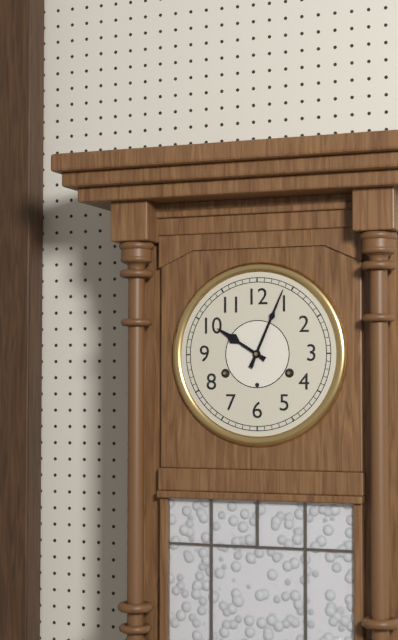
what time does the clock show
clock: 10:04
